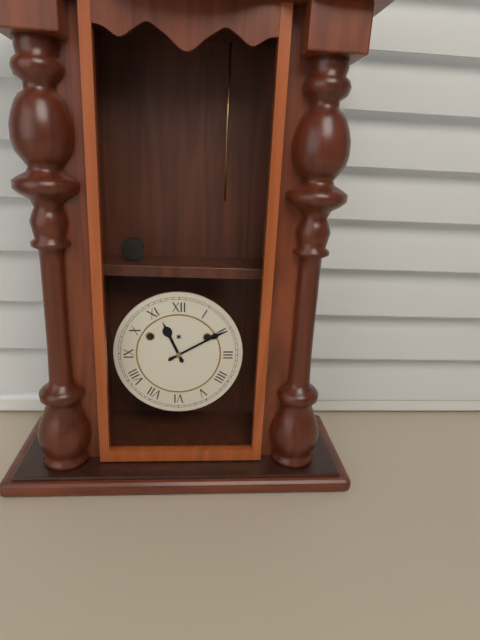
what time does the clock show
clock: 11:10
